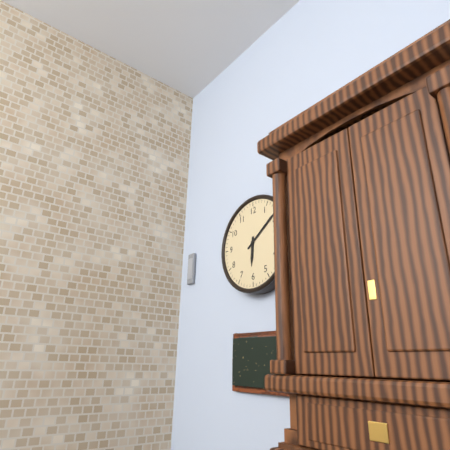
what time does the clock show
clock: 6:09
